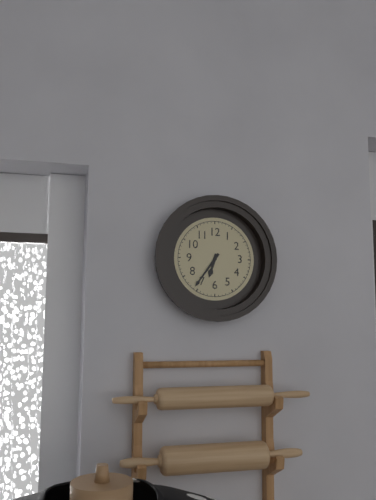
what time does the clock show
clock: 6:36
